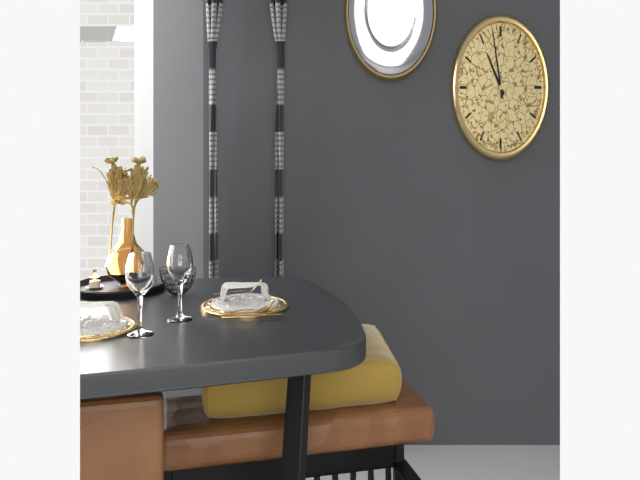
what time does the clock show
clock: 10:58
